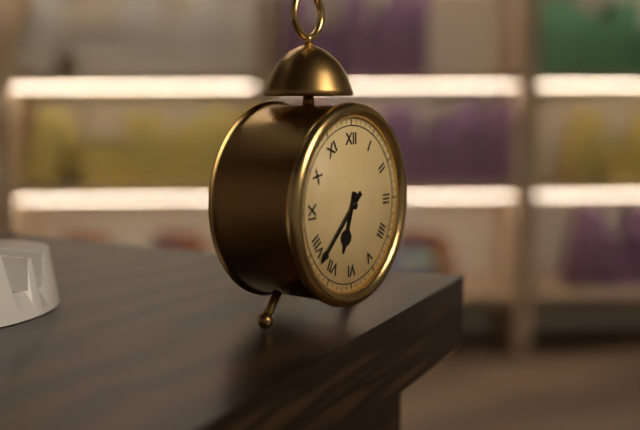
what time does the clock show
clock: 6:38
